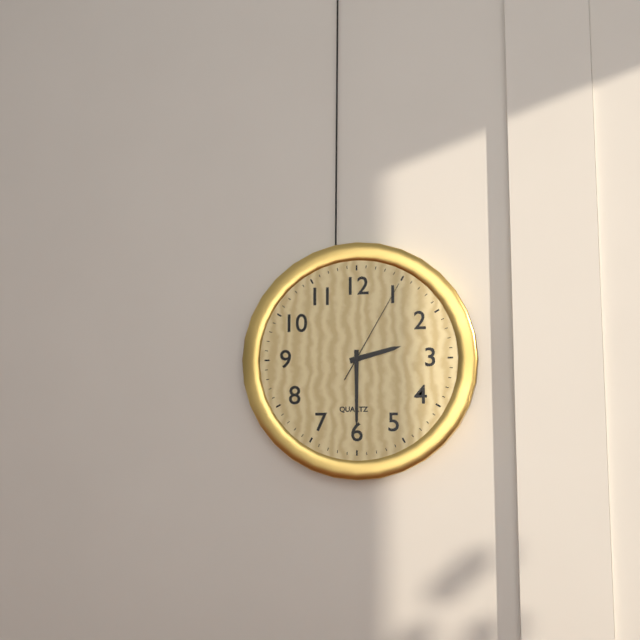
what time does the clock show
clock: 2:30:05
